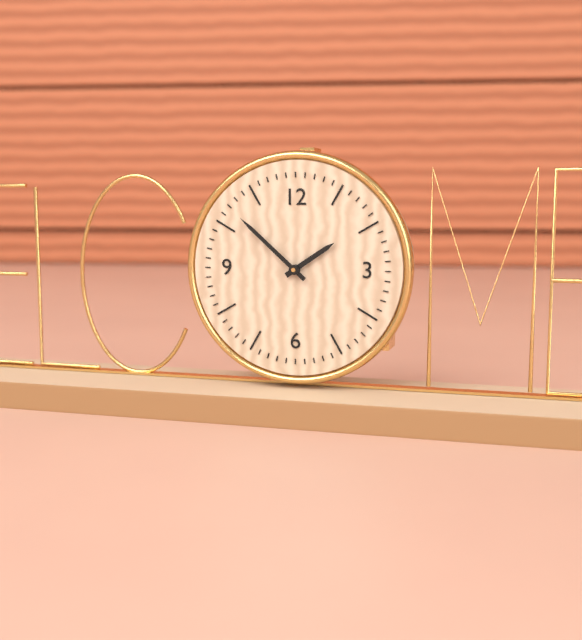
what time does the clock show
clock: 1:52
